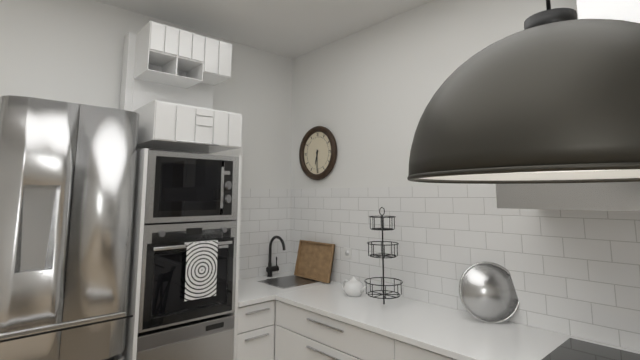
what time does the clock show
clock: 6:30
